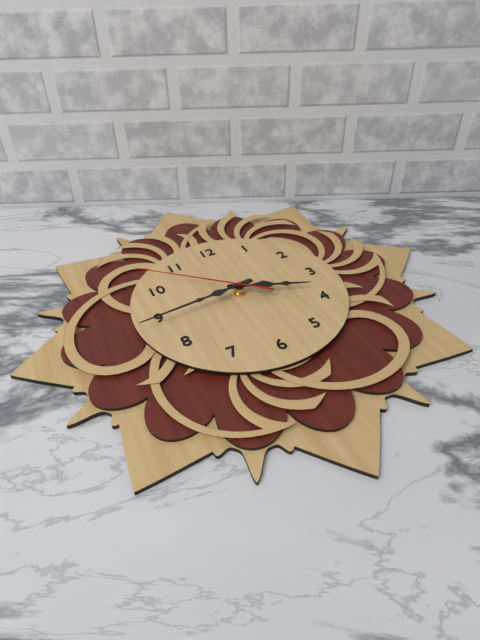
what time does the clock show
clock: 3:44:52
